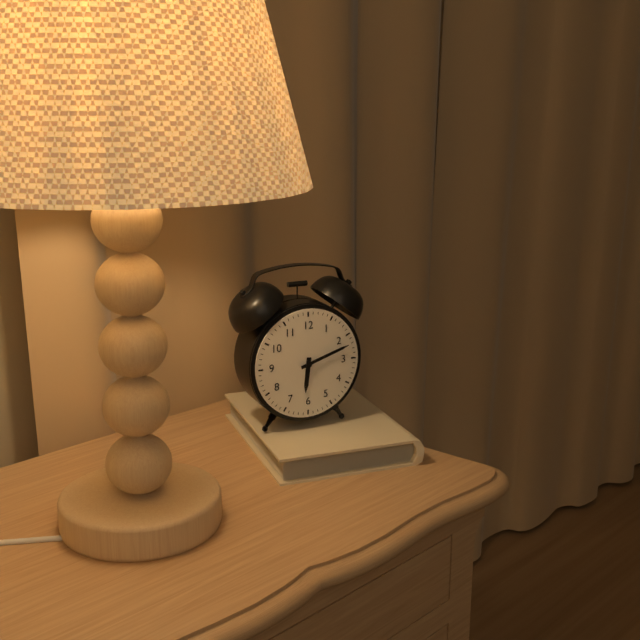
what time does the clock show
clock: 6:12
